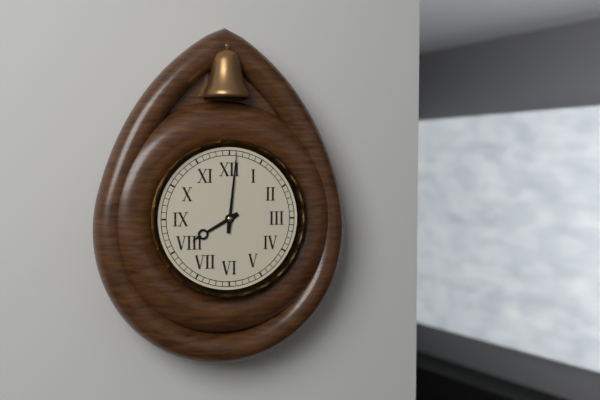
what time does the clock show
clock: 8:01
